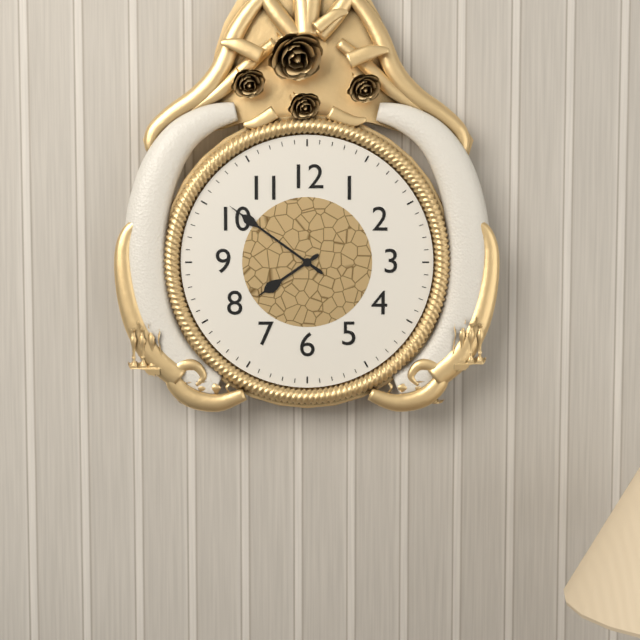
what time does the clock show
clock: 7:51
